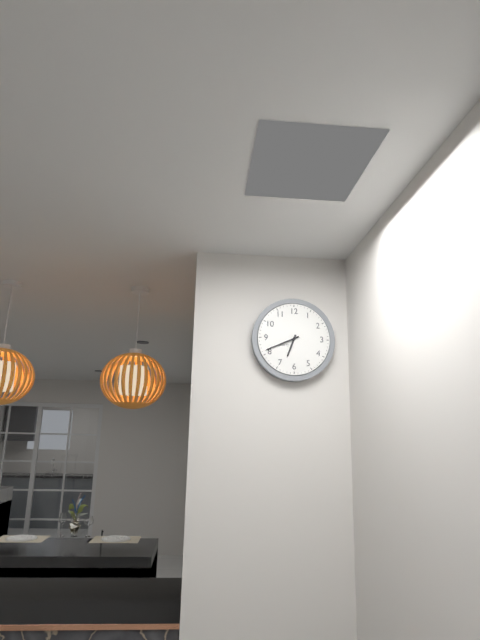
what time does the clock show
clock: 6:41
